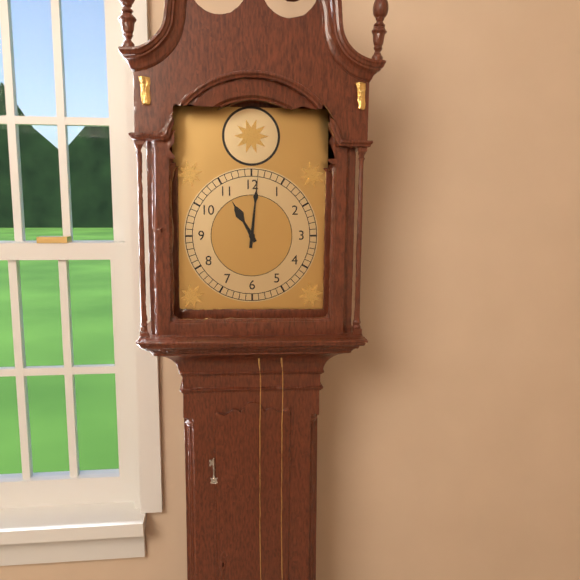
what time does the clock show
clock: 11:01
